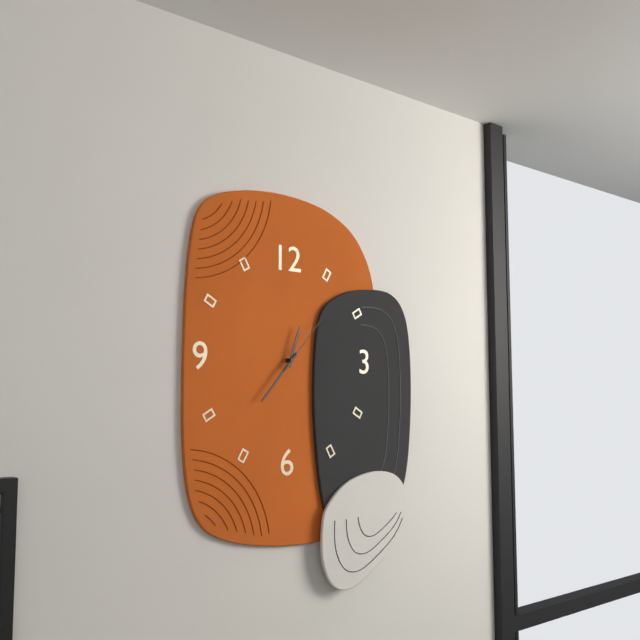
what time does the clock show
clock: 12:37:07
